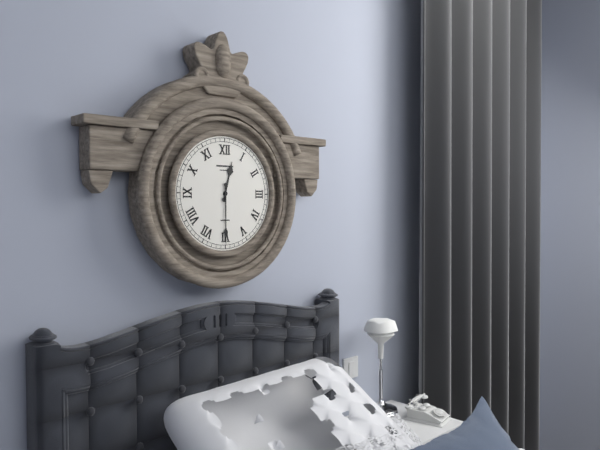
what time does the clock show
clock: 12:30
